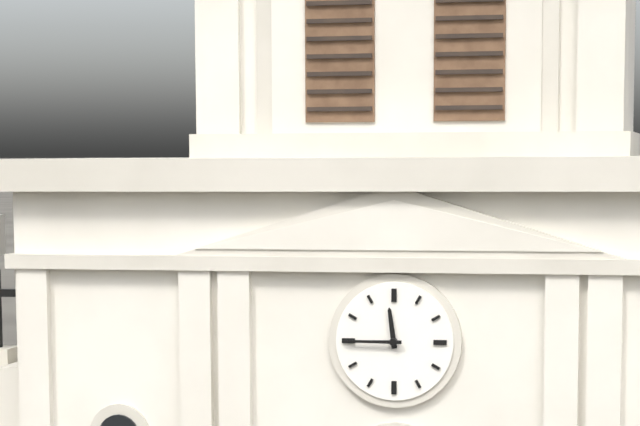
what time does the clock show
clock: 11:45
